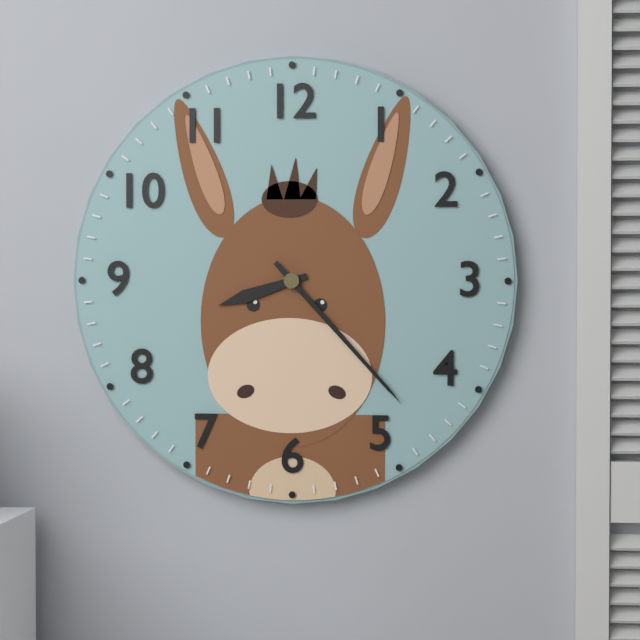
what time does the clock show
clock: 8:23
